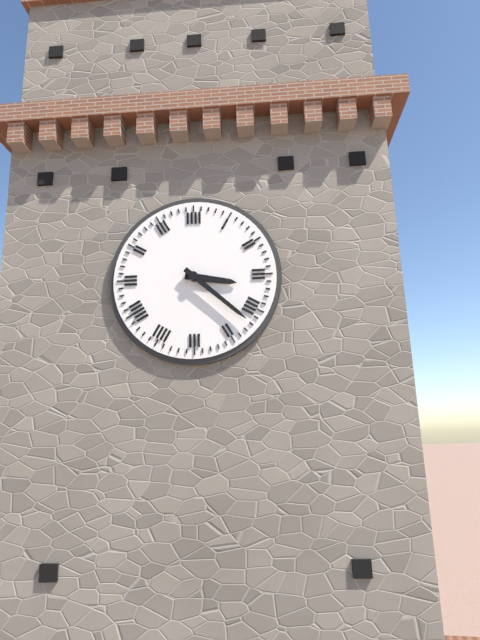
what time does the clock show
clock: 3:22
